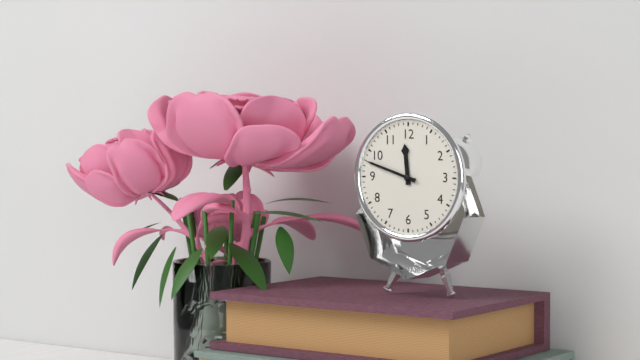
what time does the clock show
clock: 11:48
